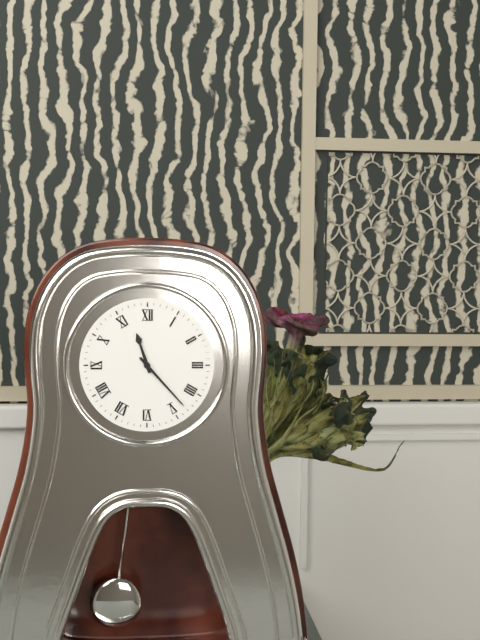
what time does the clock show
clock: 11:23
